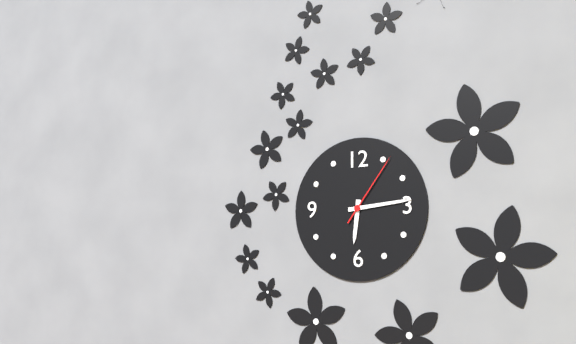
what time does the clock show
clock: 6:14:06
